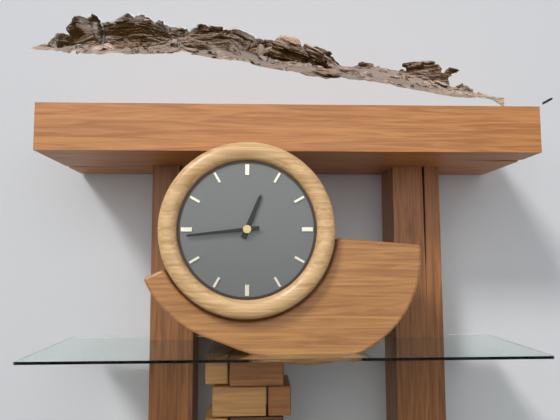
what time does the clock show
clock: 12:44
